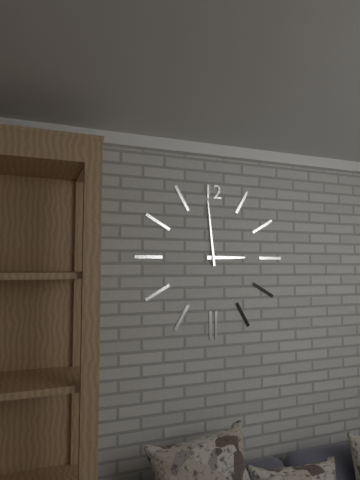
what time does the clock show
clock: 2:59
